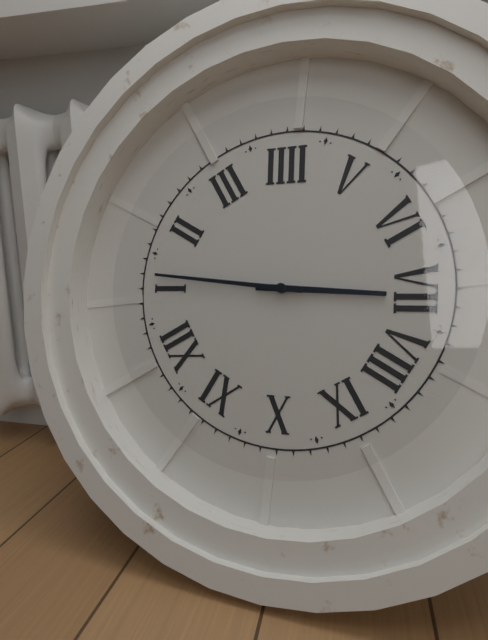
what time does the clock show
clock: 7:06
